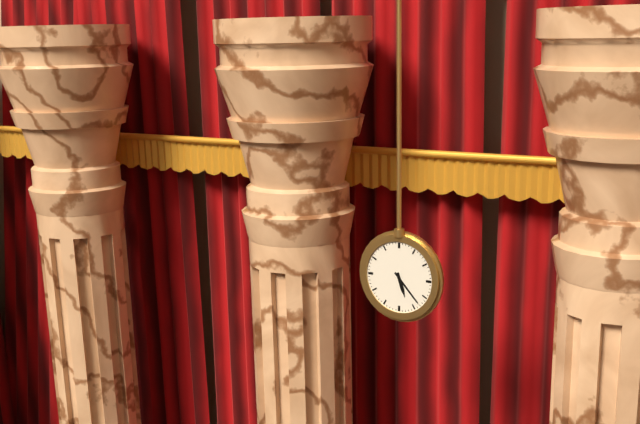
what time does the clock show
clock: 5:23
